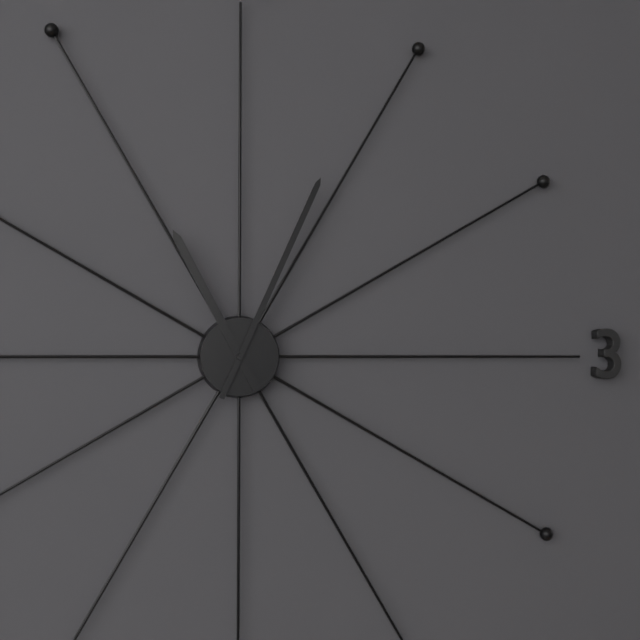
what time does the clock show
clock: 11:04
